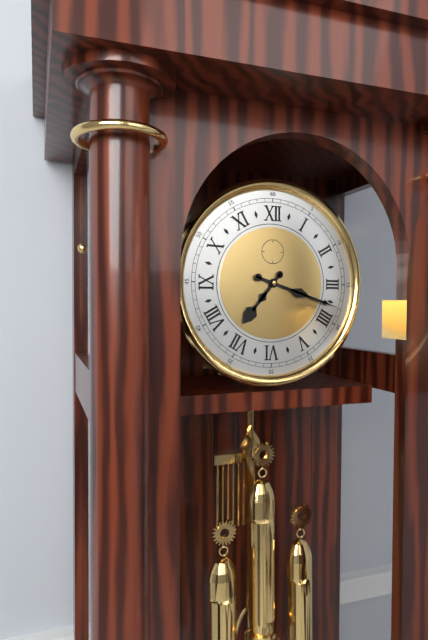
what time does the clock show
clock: 7:18
